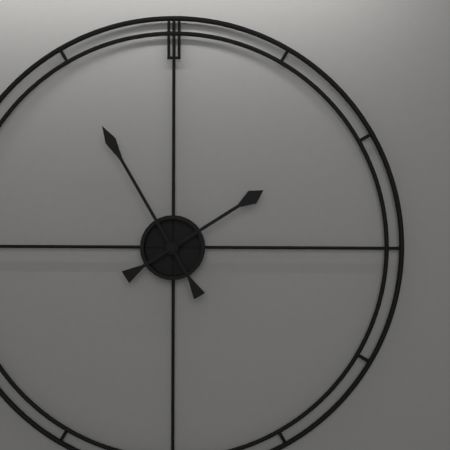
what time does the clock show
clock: 1:55
